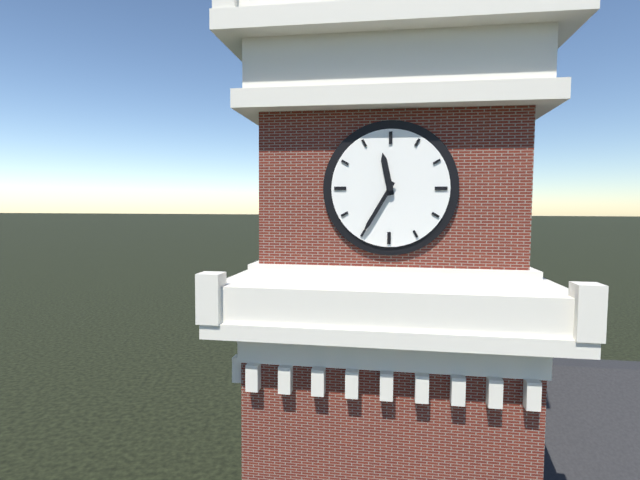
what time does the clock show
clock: 11:35
